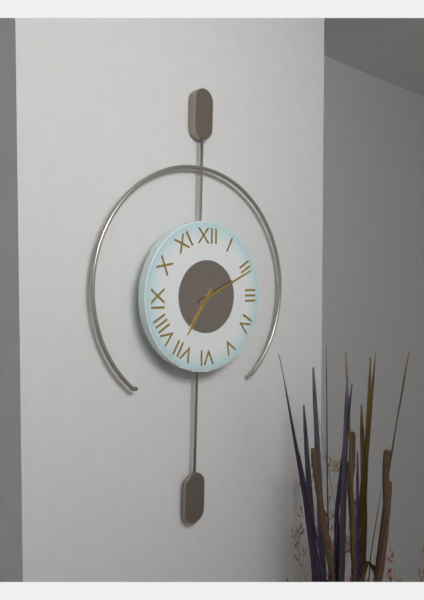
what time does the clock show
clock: 7:11
